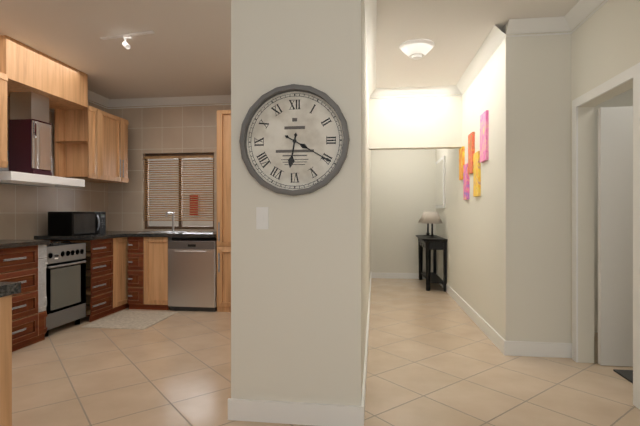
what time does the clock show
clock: 6:20
